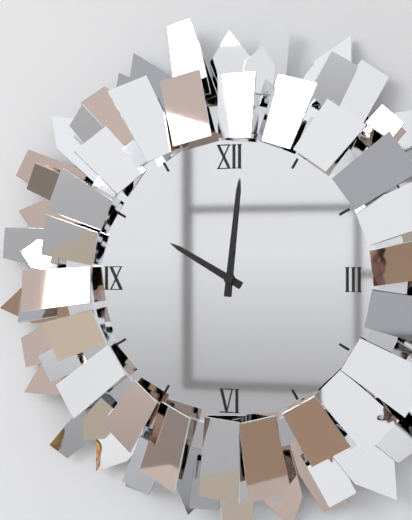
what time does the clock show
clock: 10:01
